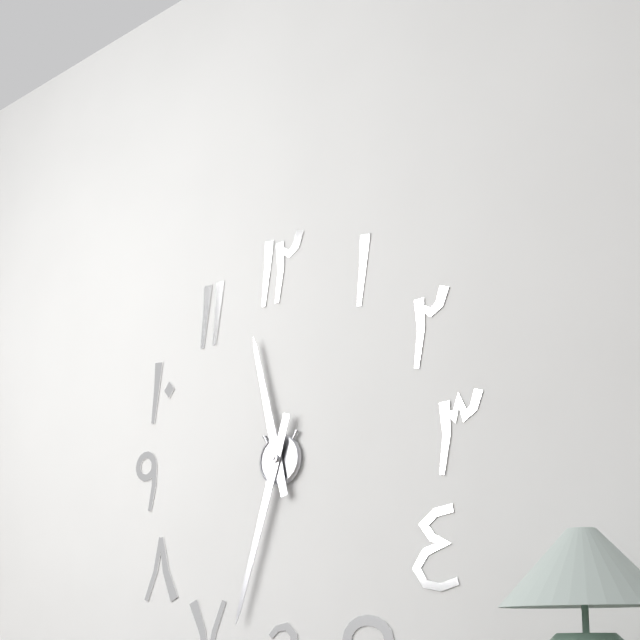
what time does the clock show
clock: 11:33
